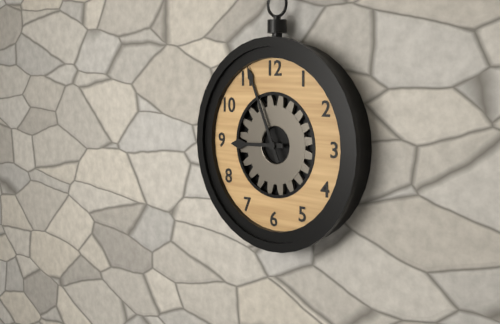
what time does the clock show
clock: 8:56
